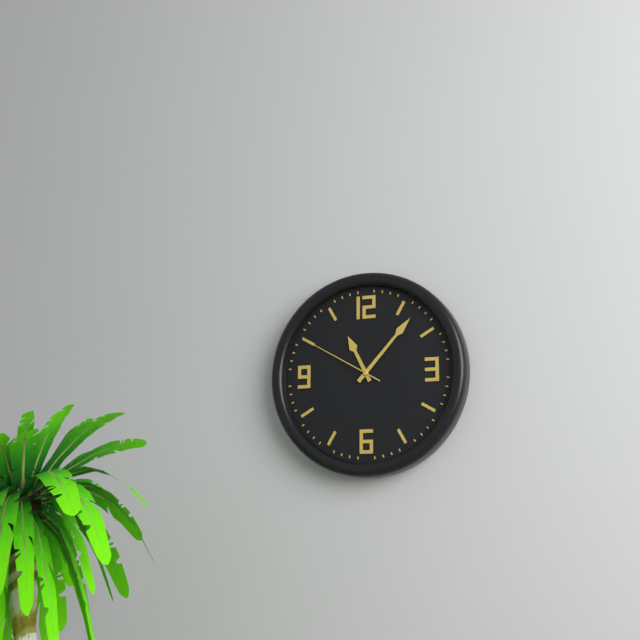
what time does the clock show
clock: 11:07:50
